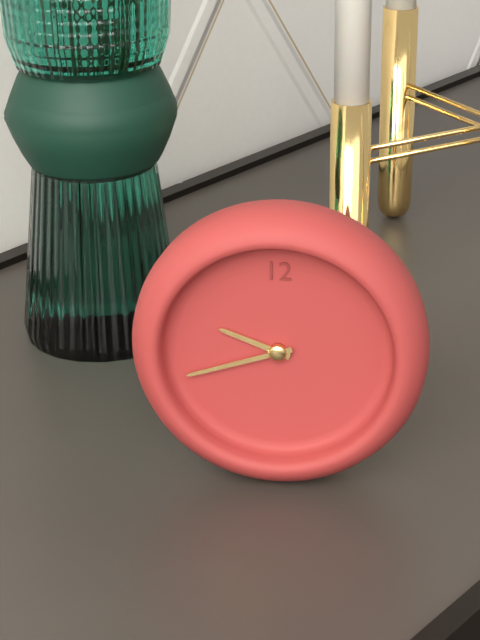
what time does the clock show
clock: 9:42
